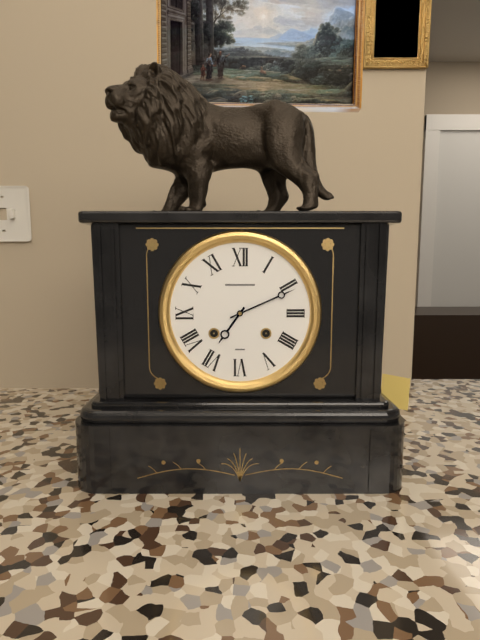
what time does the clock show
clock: 7:11
